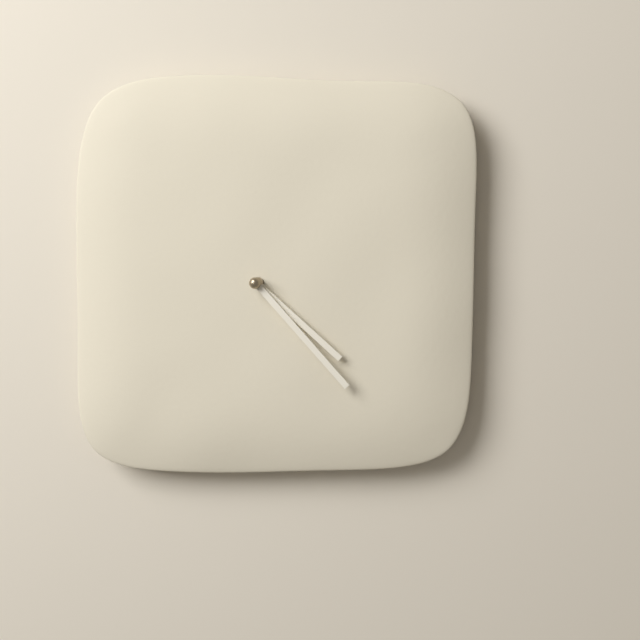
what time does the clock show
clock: 4:23
